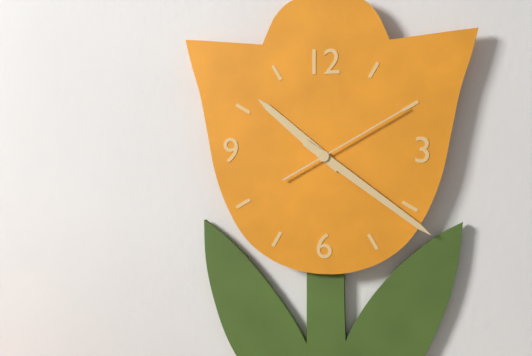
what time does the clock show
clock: 10:21:10
